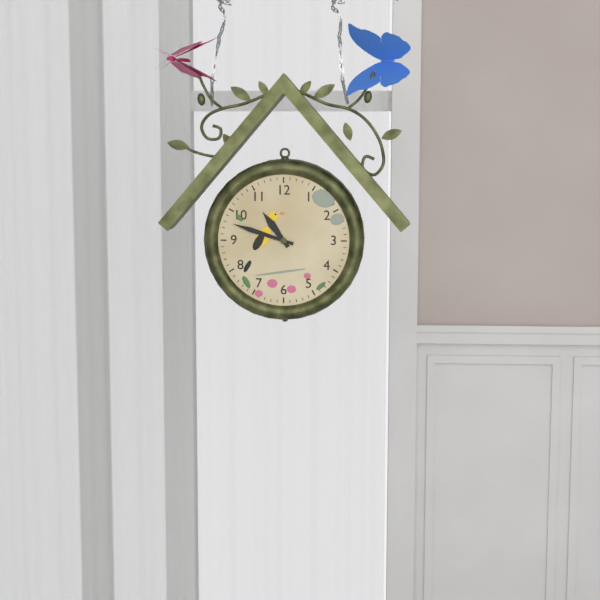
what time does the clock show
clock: 10:48
